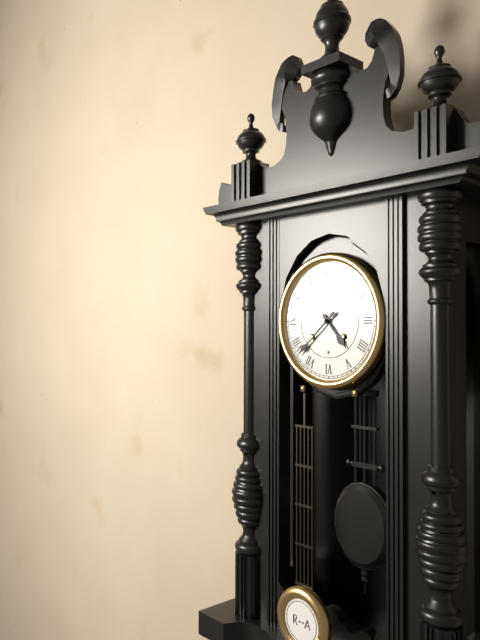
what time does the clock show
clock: 4:38
